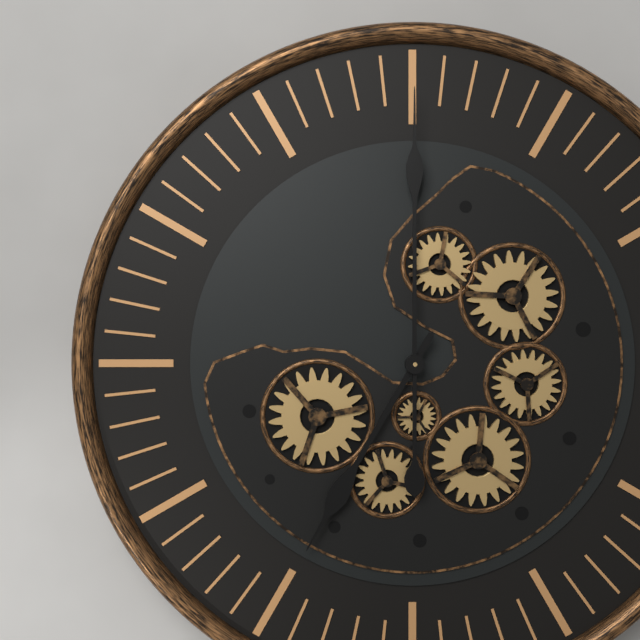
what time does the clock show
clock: 7:00
